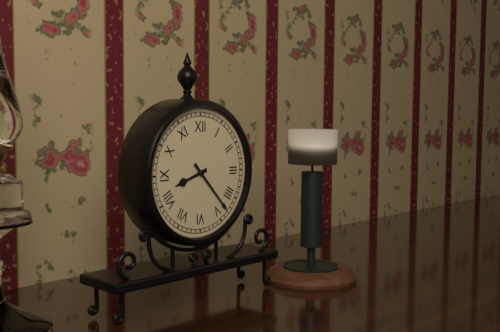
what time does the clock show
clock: 8:23
